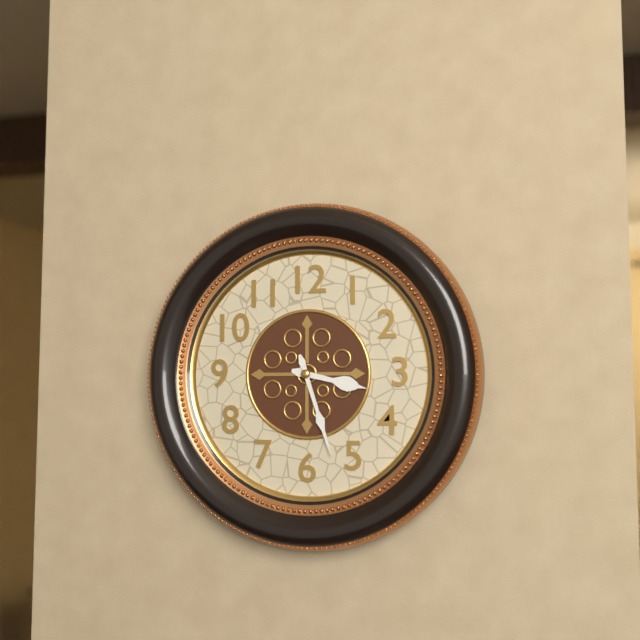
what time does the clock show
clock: 3:27
